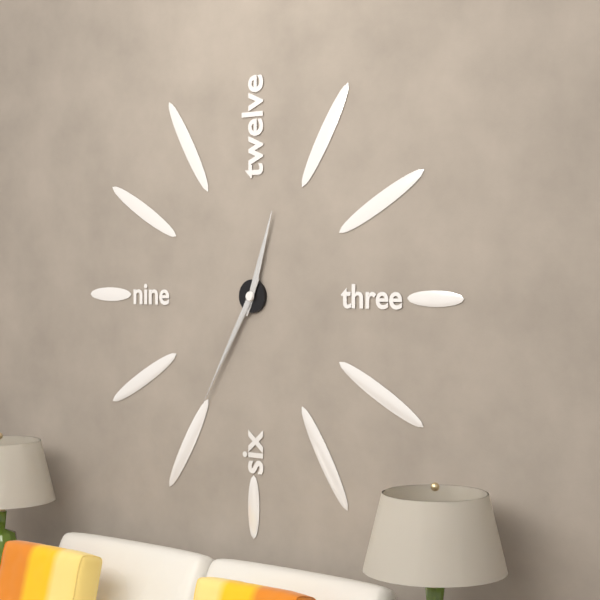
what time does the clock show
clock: 12:35
